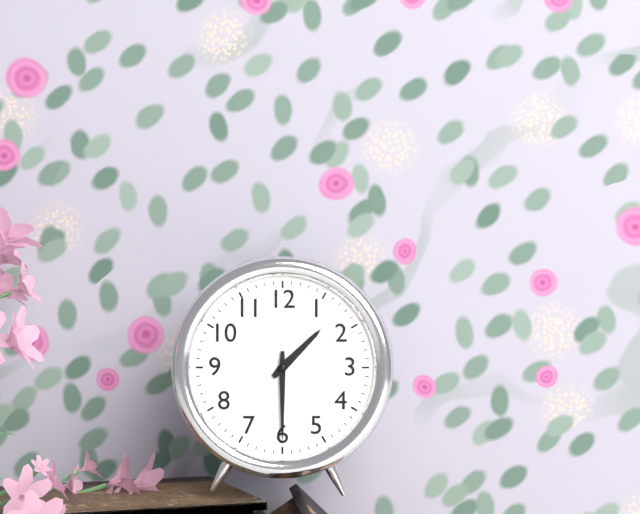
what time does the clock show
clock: 1:30
